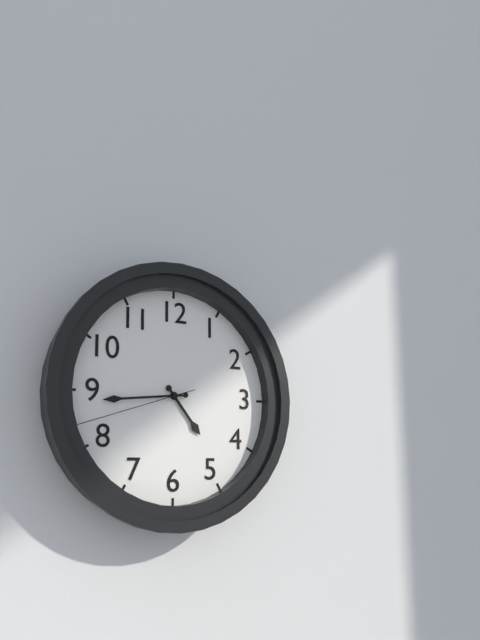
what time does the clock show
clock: 4:44:42
